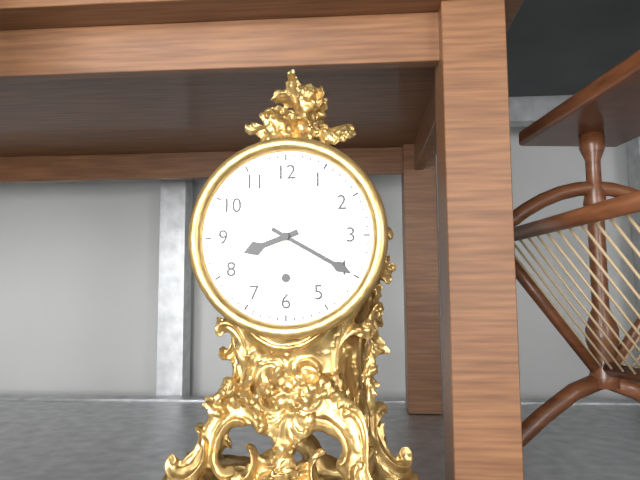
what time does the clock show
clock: 8:20
